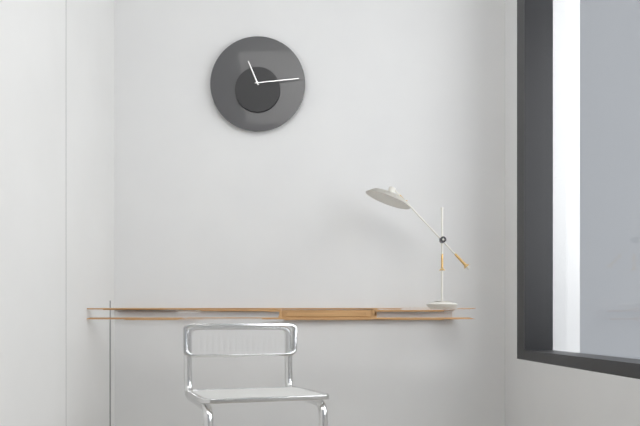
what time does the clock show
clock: 11:14
